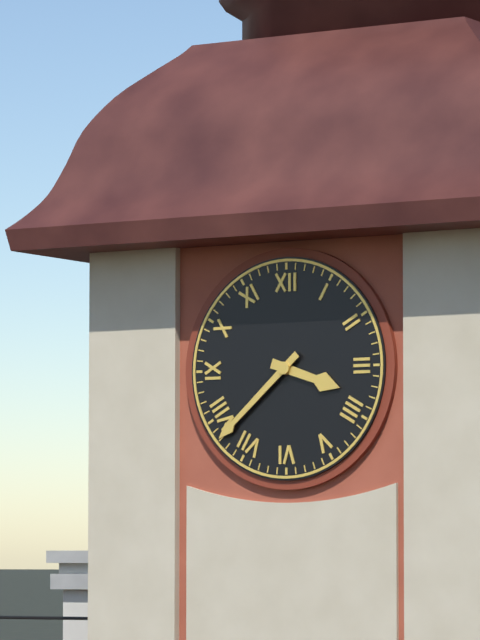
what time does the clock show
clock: 3:38
